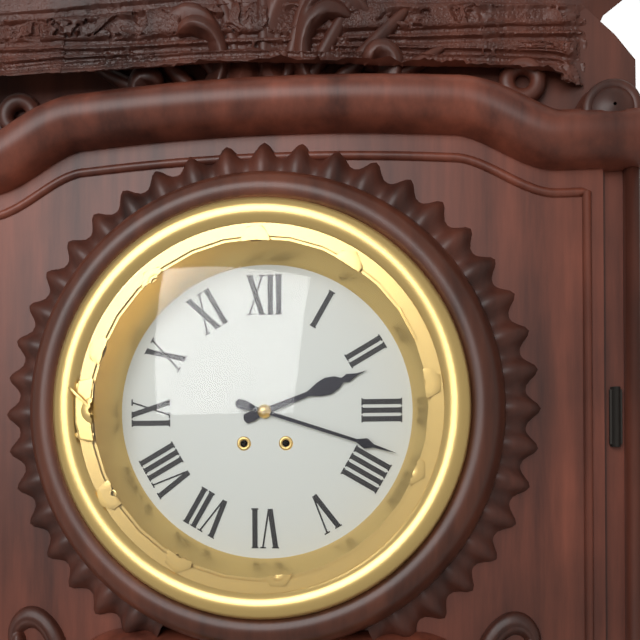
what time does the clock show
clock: 2:18
